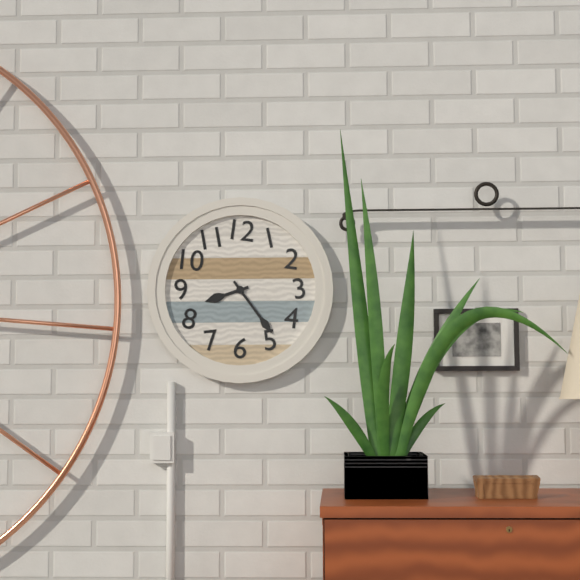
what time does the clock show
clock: 8:24
